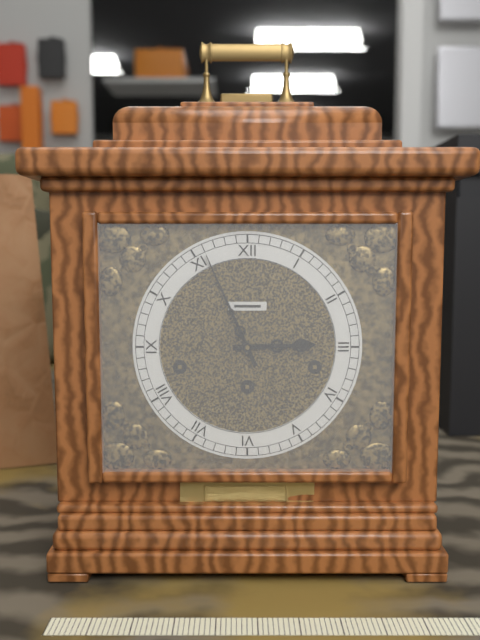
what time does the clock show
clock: 2:56
